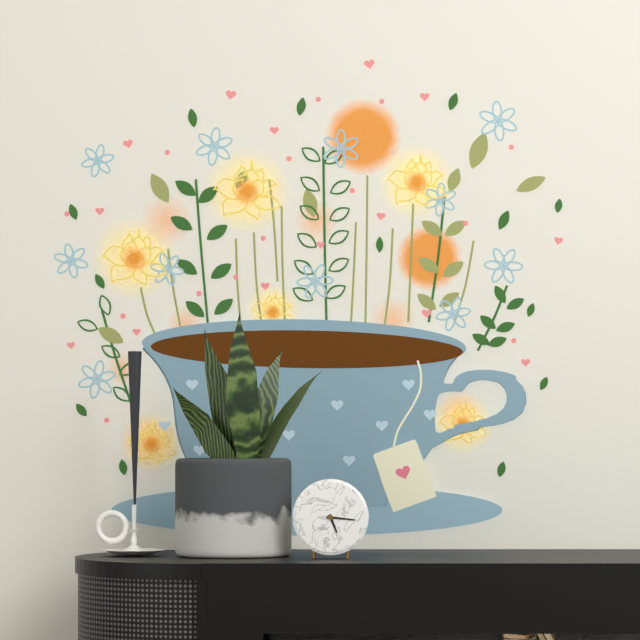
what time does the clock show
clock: 5:16
